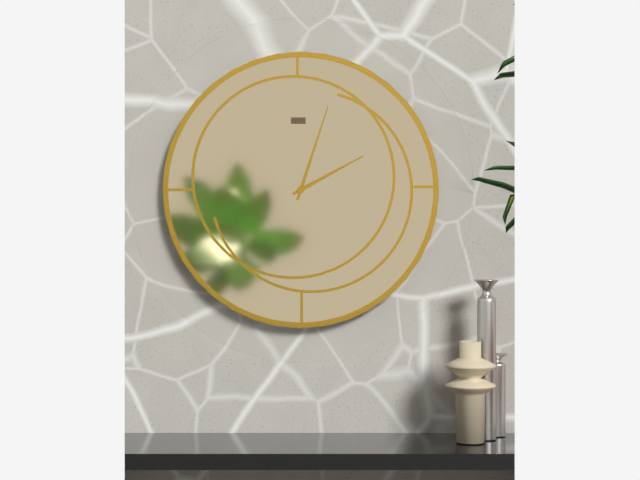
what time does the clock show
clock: 2:03
